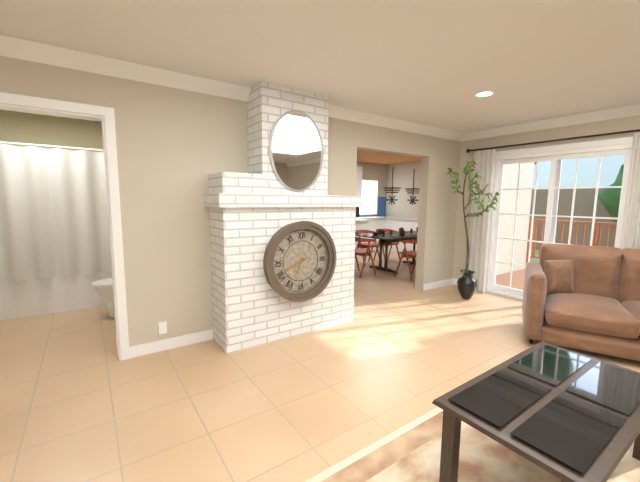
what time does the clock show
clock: 6:41
